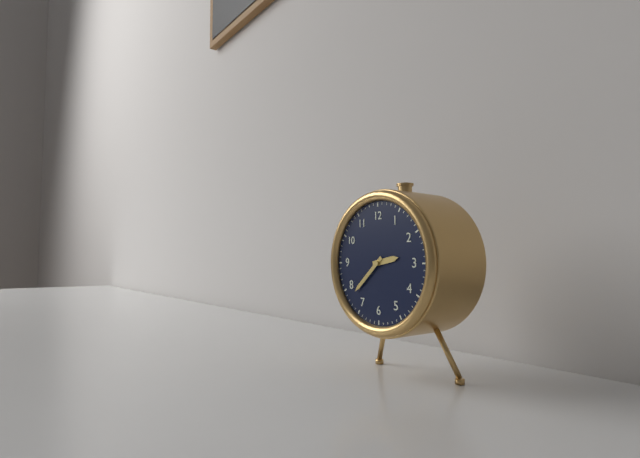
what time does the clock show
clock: 2:38
